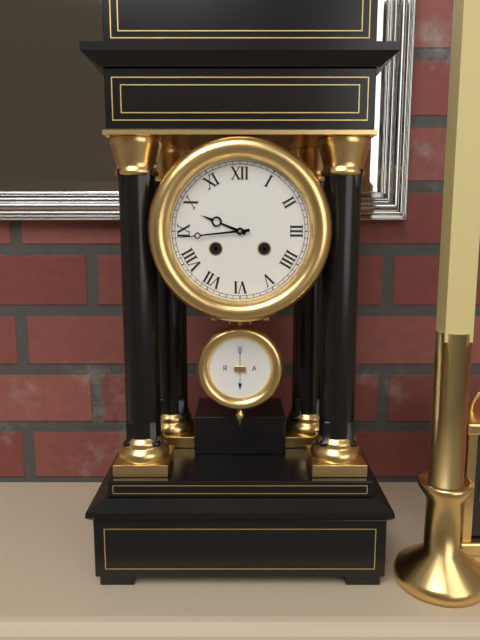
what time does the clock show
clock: 9:44
